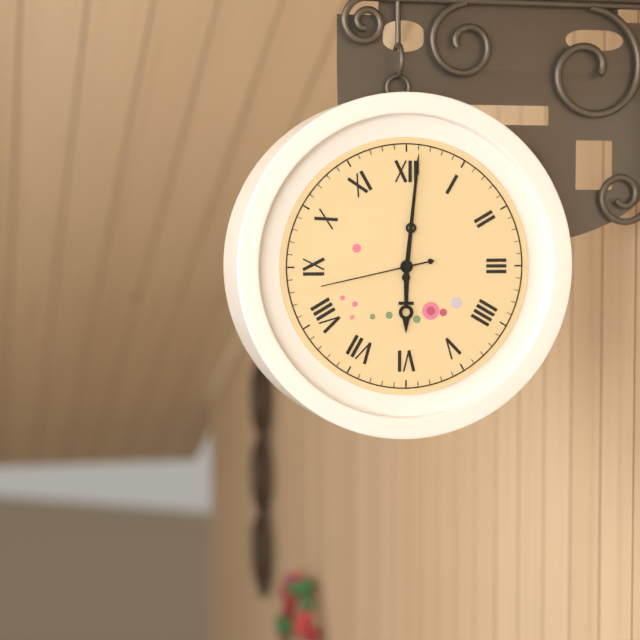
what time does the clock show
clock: 6:01:43
